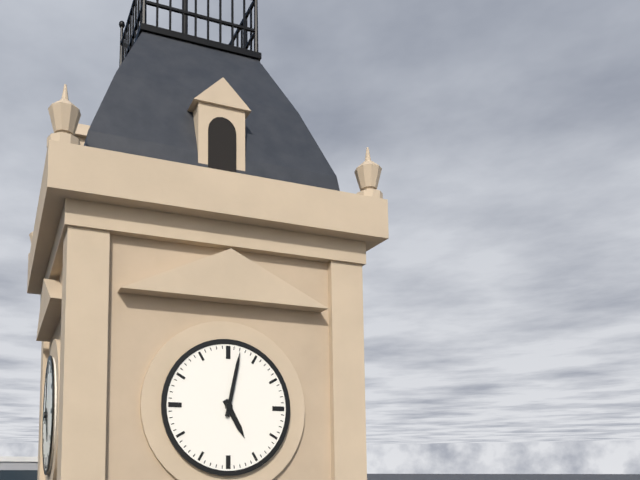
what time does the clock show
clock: 5:02
